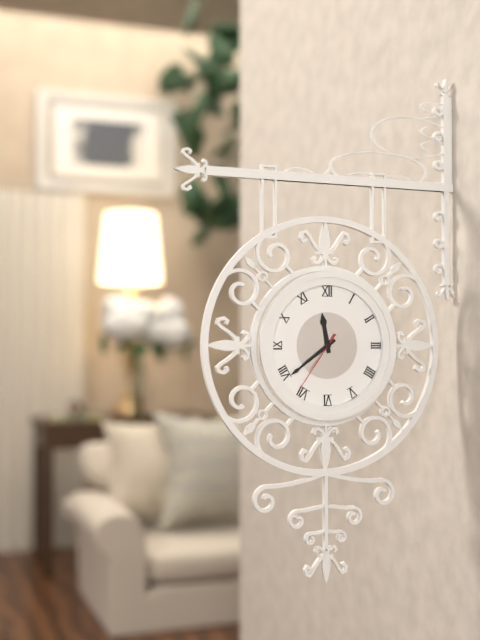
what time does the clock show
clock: 11:39:36
